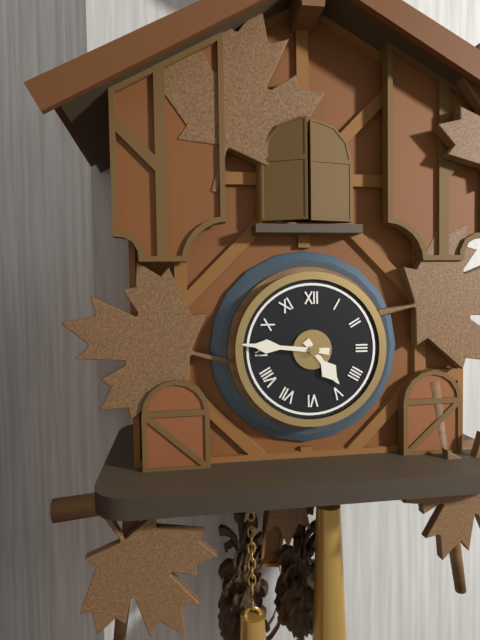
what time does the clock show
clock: 4:46
